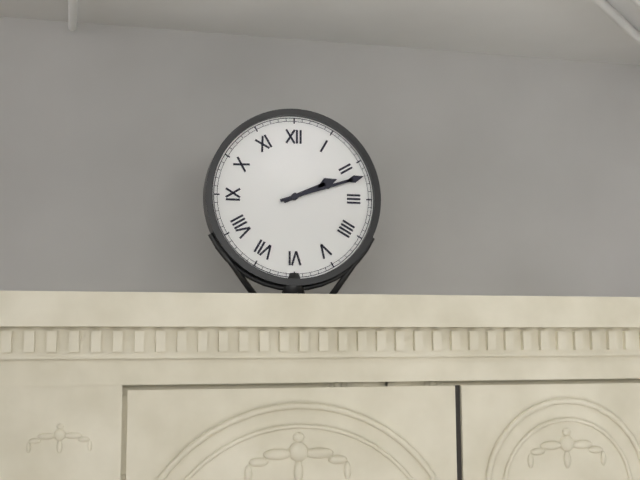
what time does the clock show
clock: 2:12
